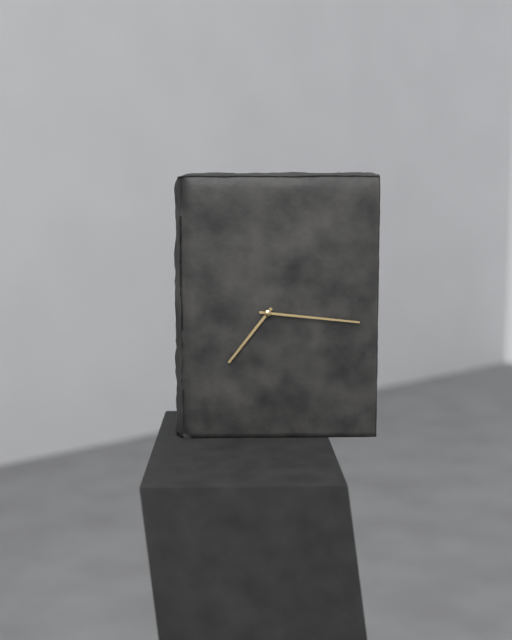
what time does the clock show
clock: 7:16
